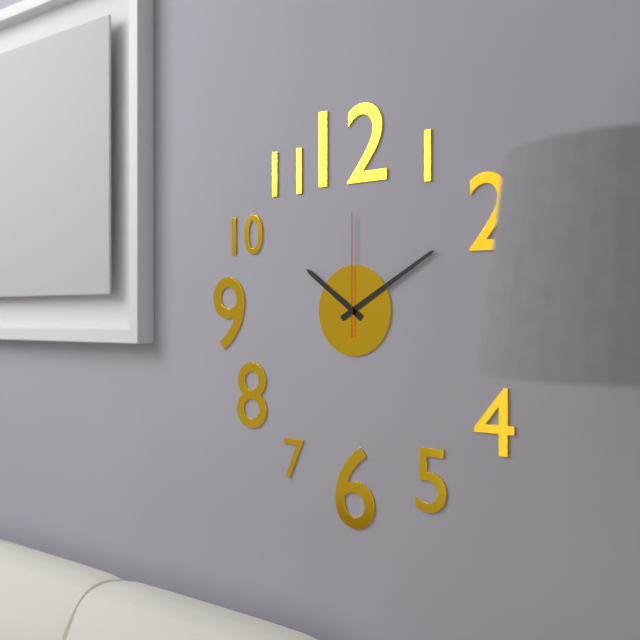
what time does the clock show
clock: 10:10:00
